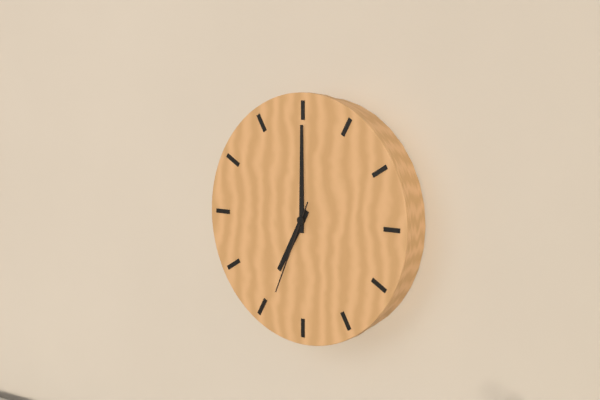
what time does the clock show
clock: 7:00:34
